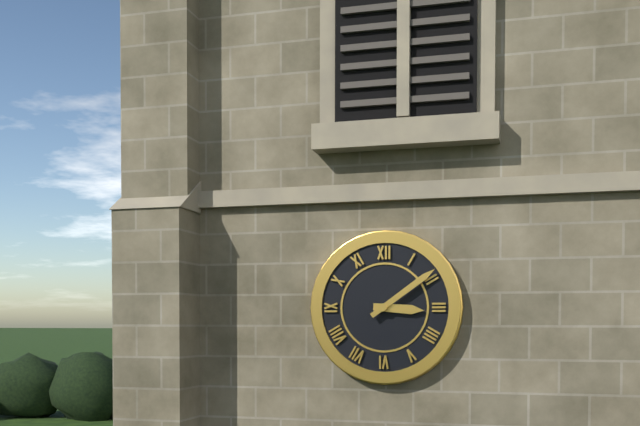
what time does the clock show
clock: 3:09
